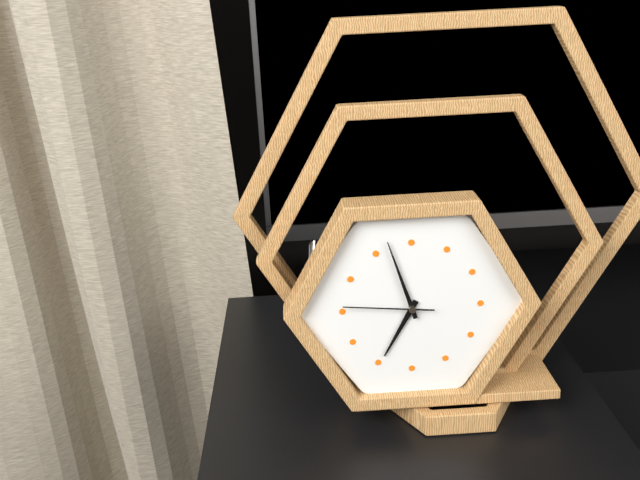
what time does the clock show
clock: 6:57:46
